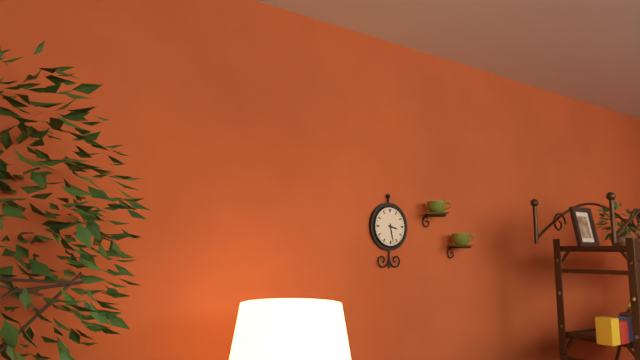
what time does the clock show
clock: 3:28
